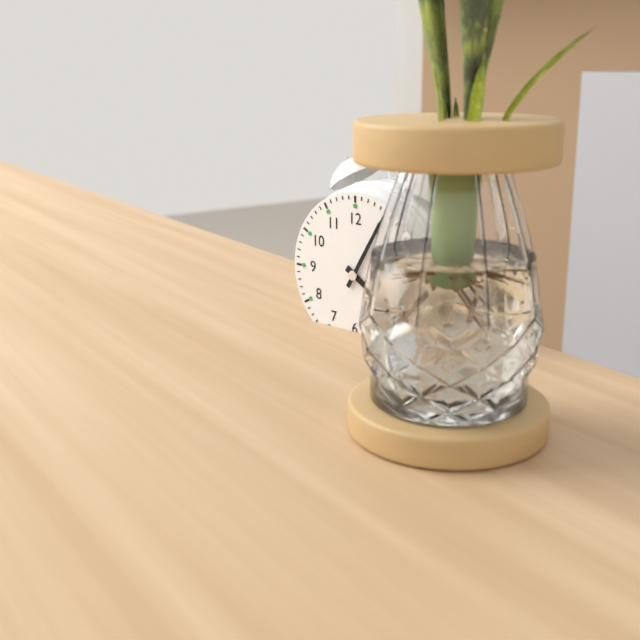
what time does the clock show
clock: 4:05
